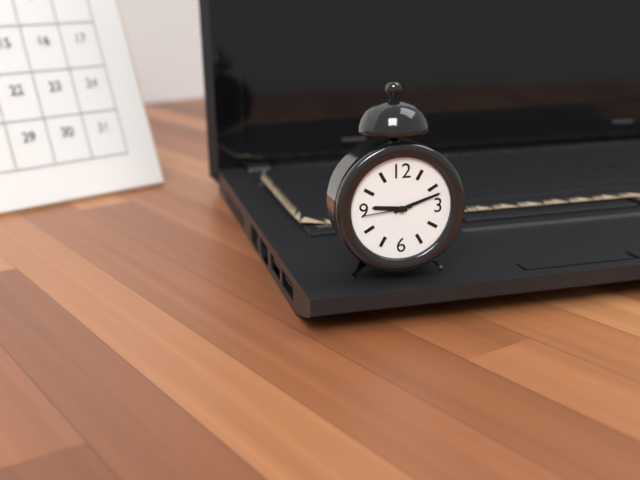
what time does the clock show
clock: 9:12
